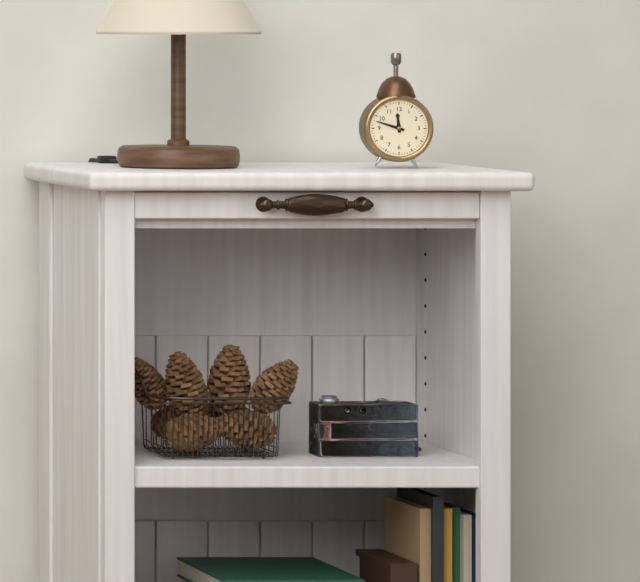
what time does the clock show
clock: 11:48
